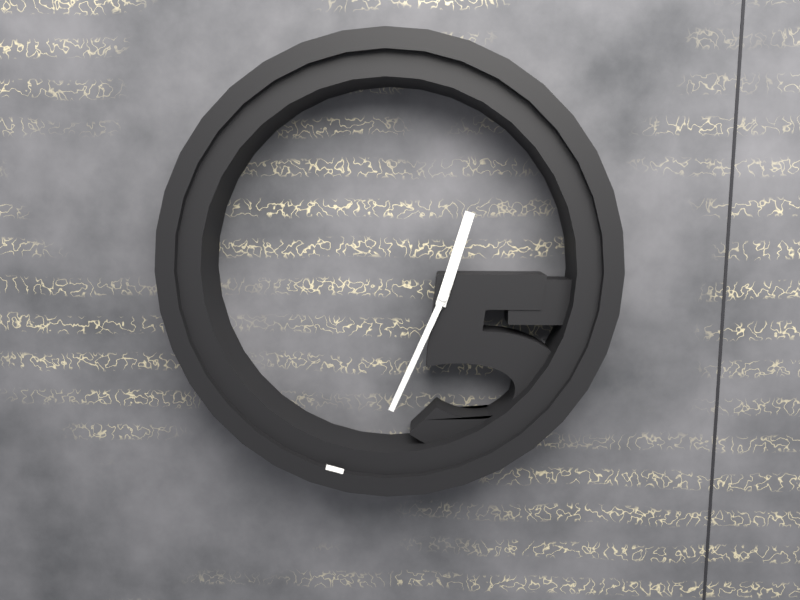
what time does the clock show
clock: 12:34
